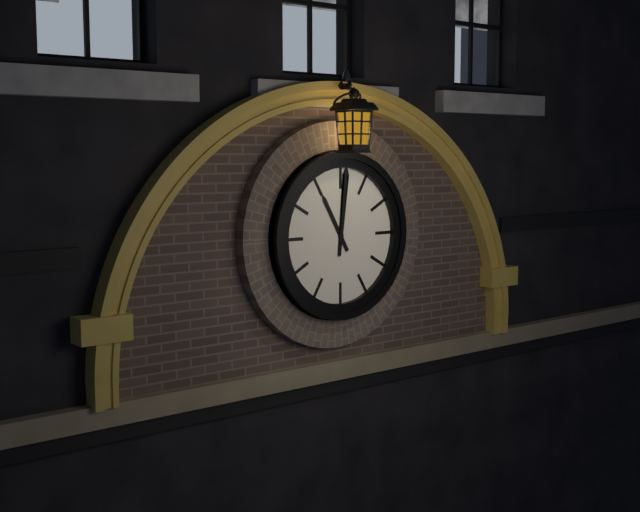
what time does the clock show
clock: 11:01
